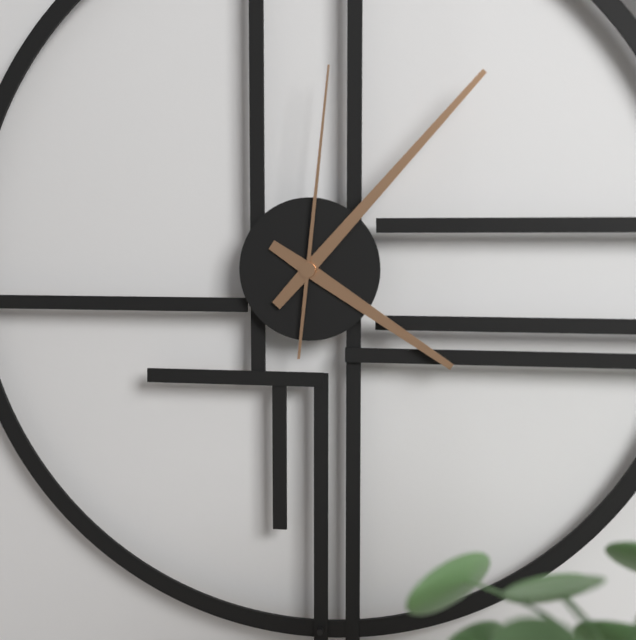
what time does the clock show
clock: 4:07:01
